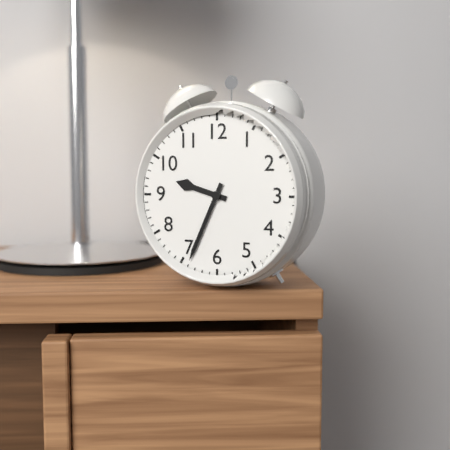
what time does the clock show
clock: 9:34
